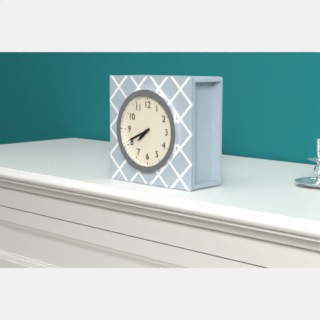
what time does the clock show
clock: 7:41
